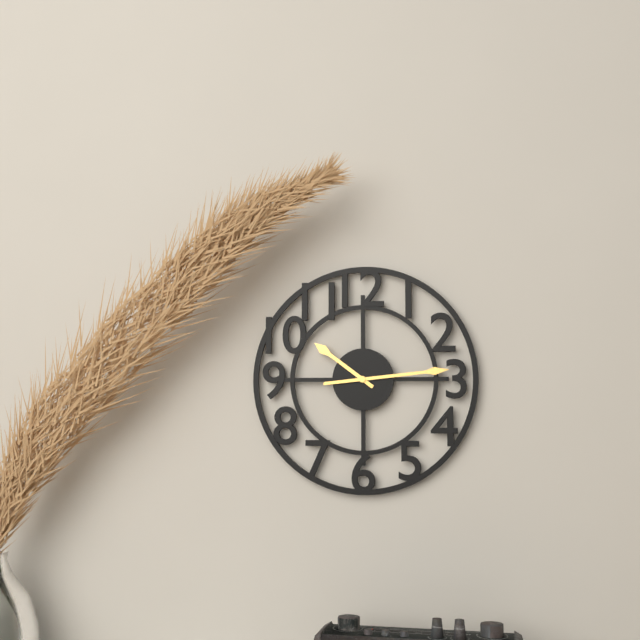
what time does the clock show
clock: 10:14
